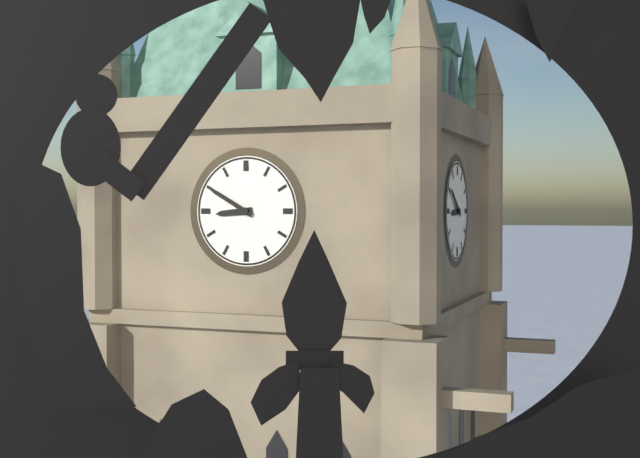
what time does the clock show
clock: 8:50
